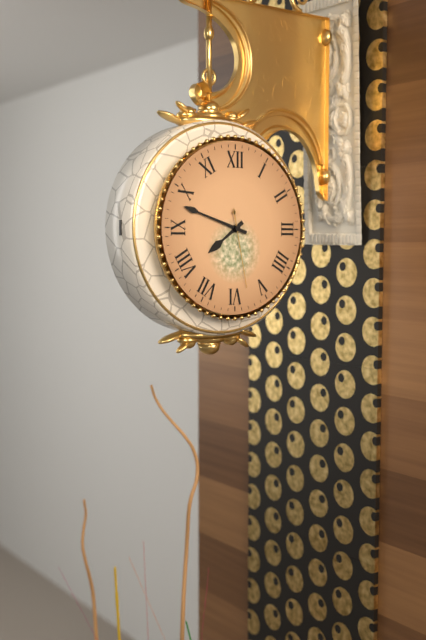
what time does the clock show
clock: 7:48:28
